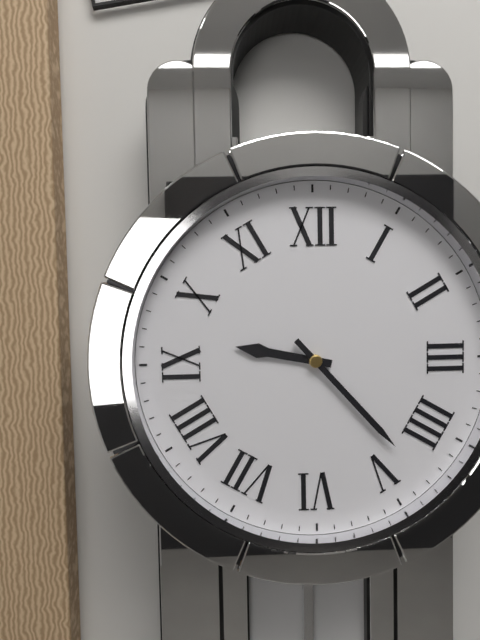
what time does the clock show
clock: 9:23
